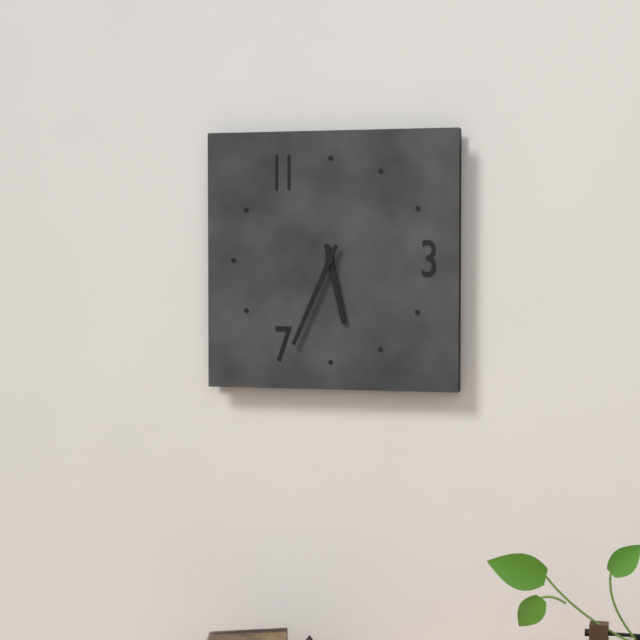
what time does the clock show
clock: 5:34
